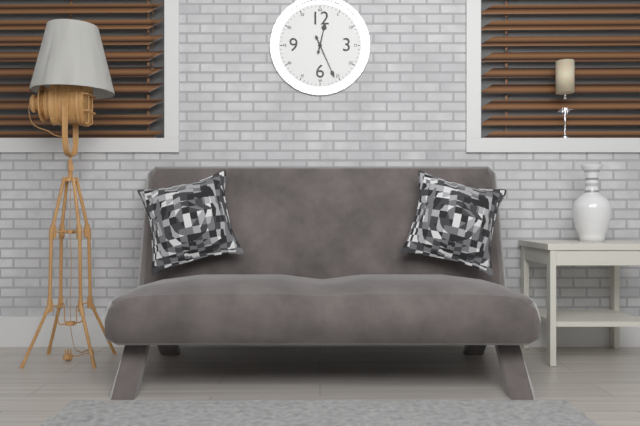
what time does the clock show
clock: 12:26
